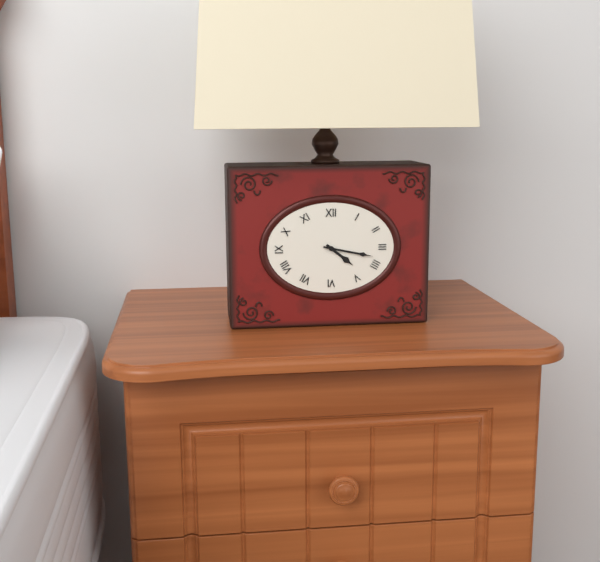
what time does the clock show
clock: 4:17
